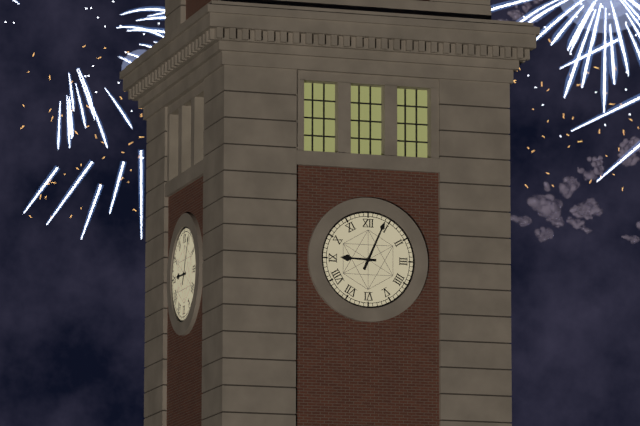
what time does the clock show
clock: 9:04
